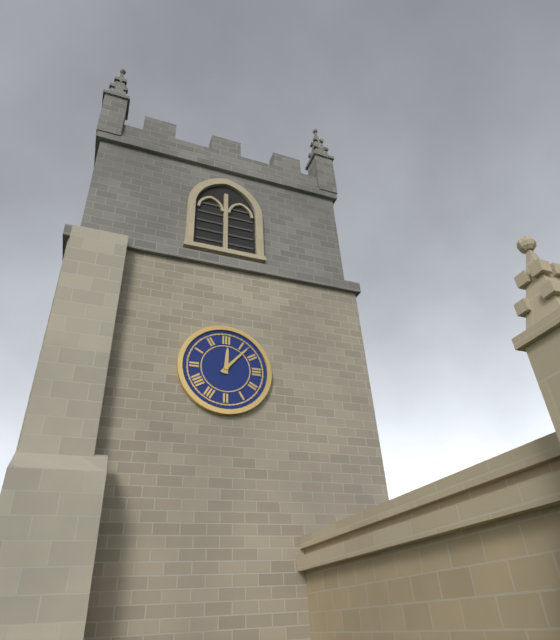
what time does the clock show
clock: 12:07
